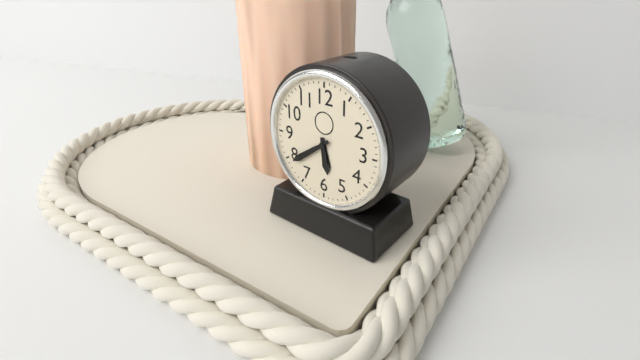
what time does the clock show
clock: 5:39
